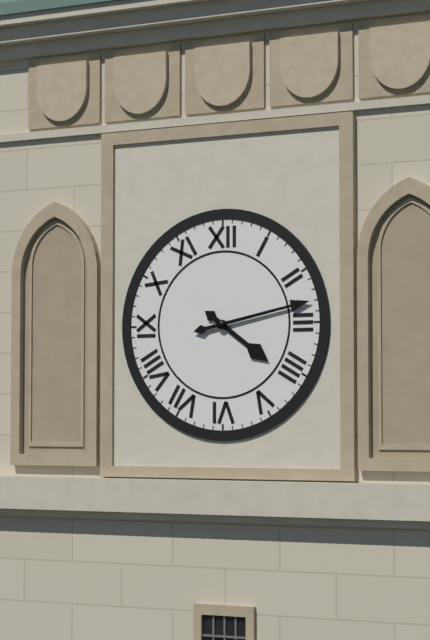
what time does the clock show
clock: 4:13
